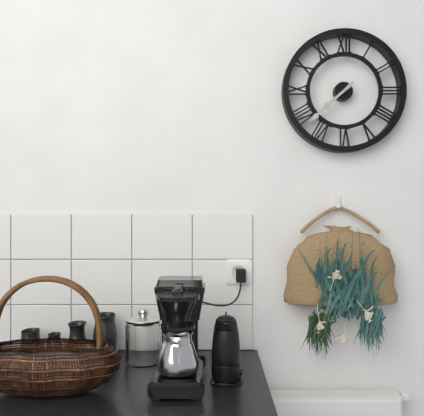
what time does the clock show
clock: 7:38
